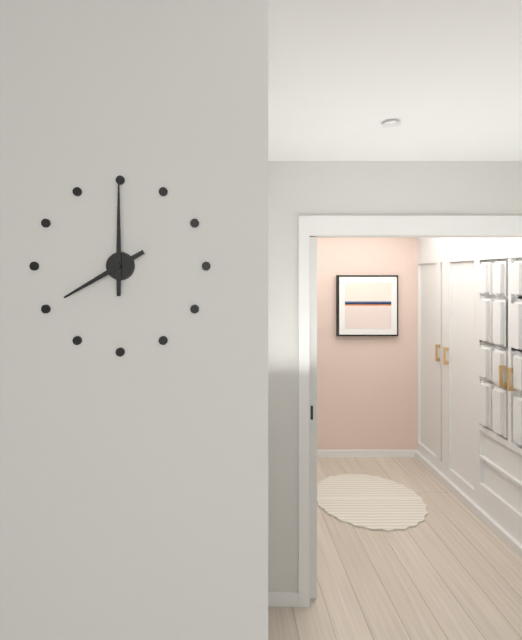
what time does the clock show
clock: 8:00
